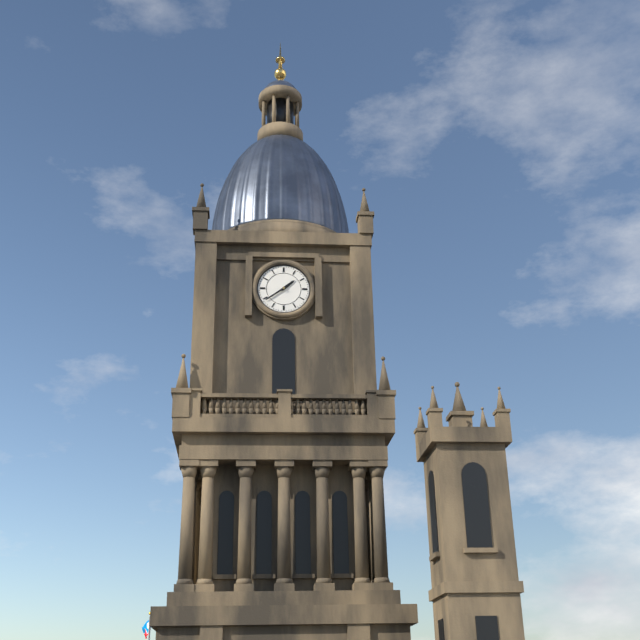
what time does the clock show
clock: 1:39
